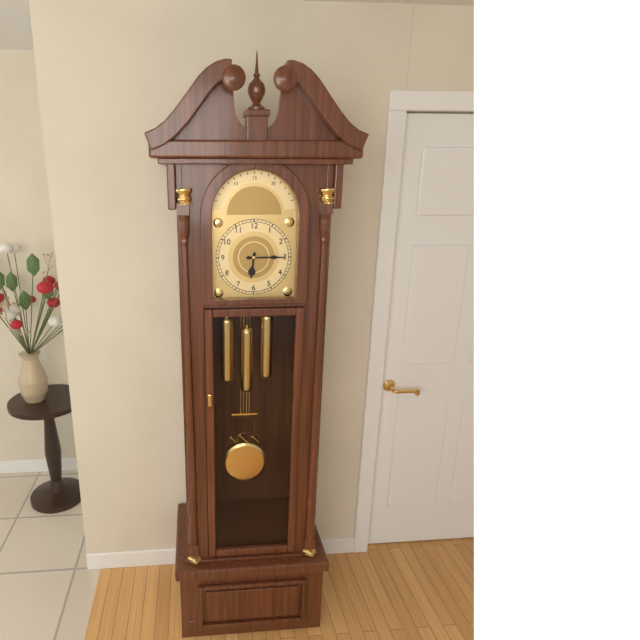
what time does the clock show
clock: 6:15
